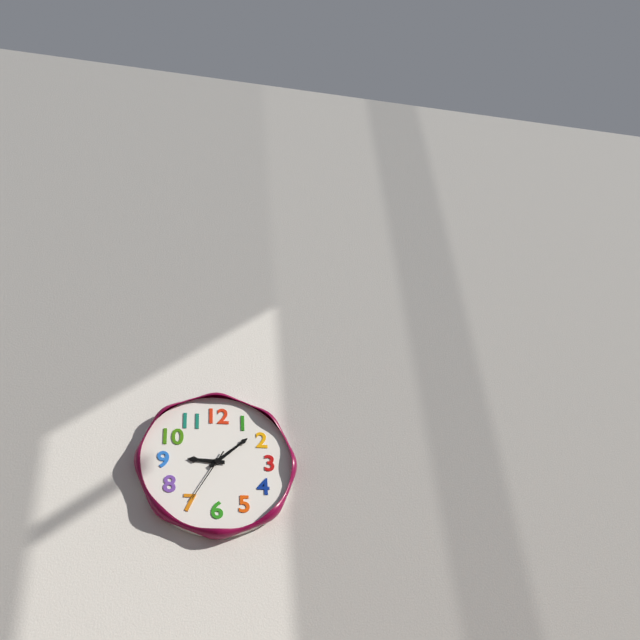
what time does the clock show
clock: 9:08:35
